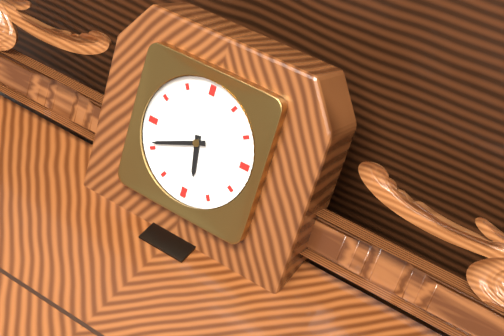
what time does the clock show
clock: 5:41
